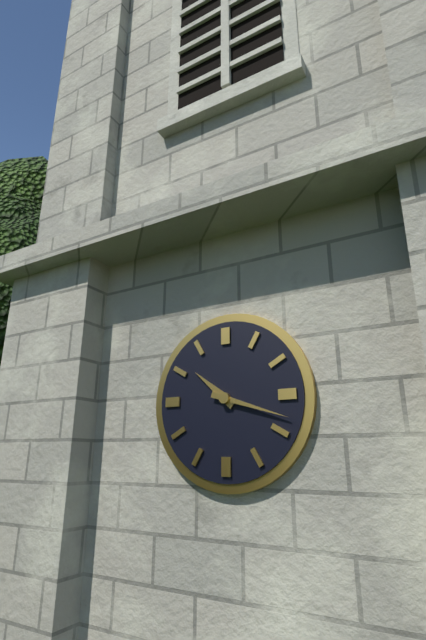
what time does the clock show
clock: 10:18
